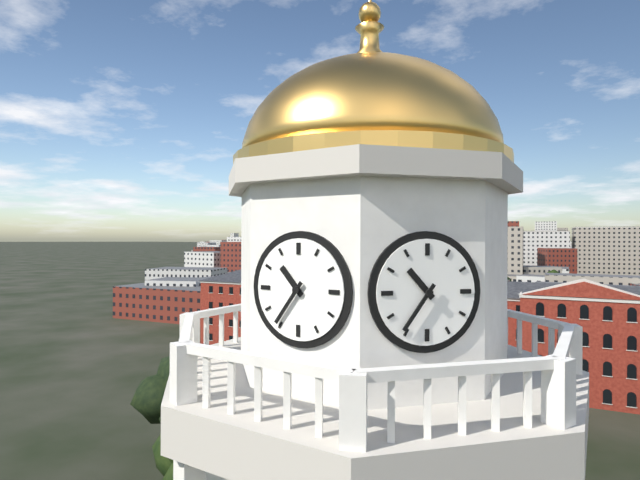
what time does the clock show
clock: 10:36
